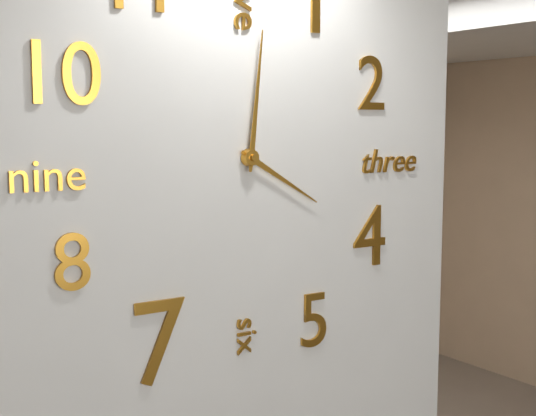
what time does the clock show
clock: 4:01
